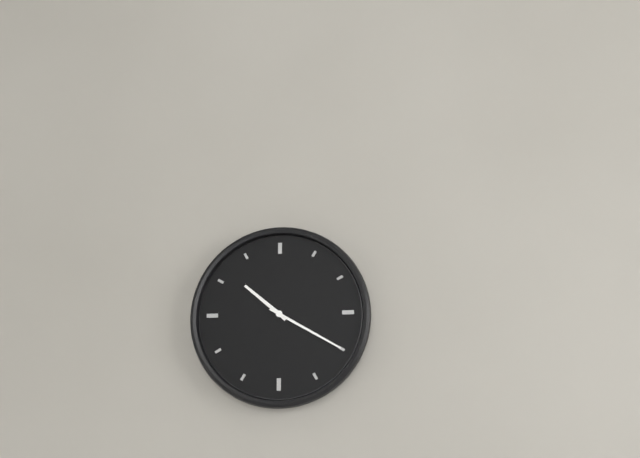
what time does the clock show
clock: 10:20
